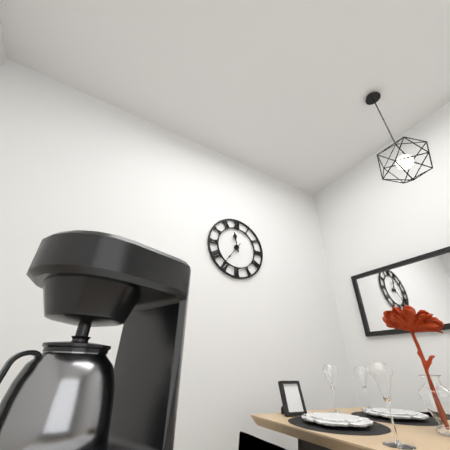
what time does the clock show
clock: 11:36
